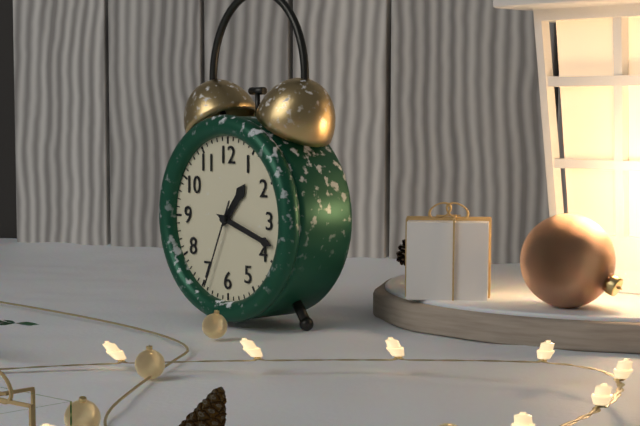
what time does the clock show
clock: 1:18:34
